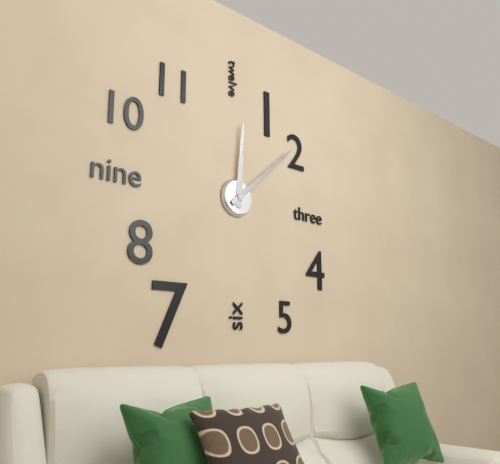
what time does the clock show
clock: 12:08
